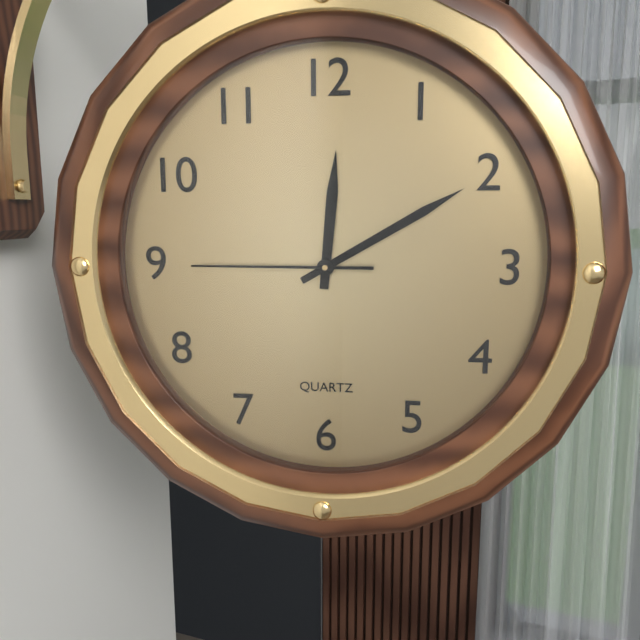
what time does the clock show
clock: 12:10:45
